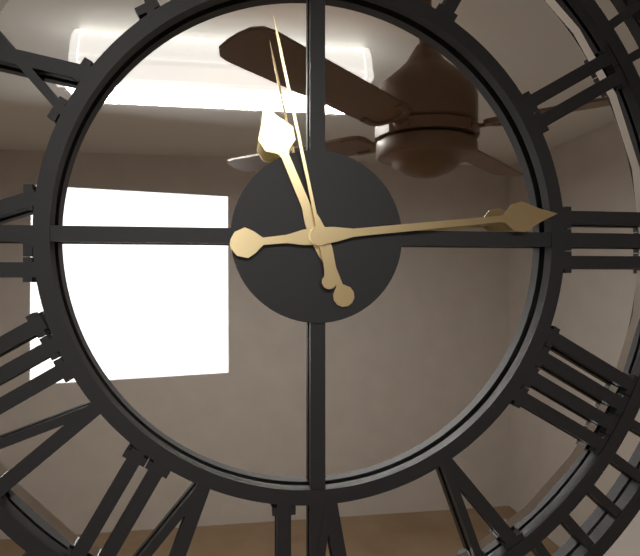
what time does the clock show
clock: 11:14:58
